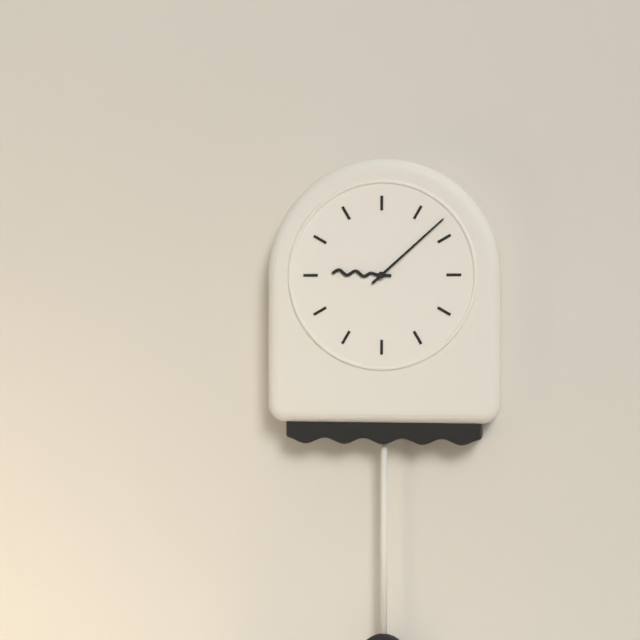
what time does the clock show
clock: 9:08
